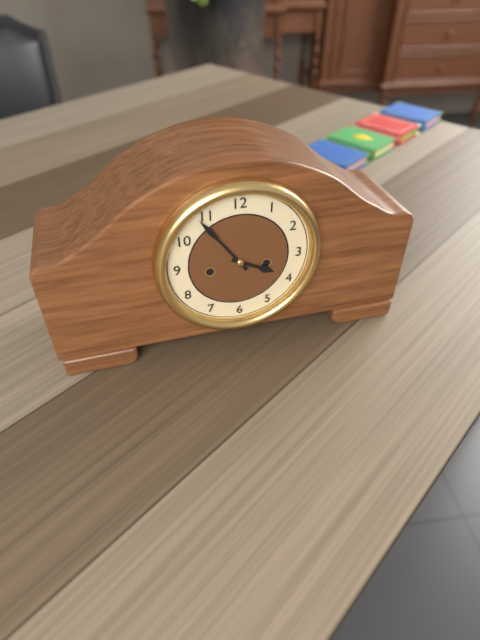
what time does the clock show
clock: 3:54
